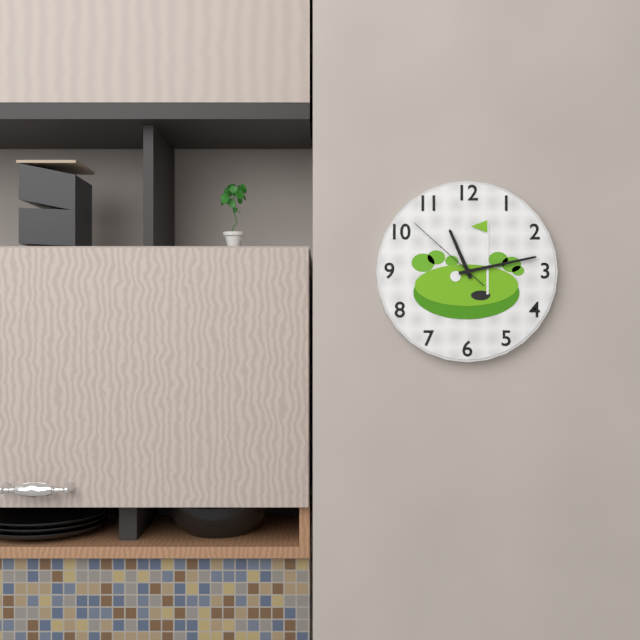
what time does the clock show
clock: 11:13:52
